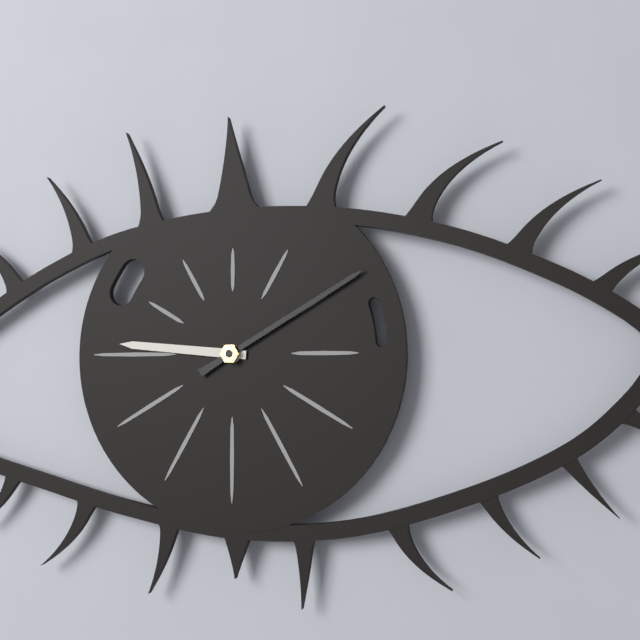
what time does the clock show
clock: 9:10
